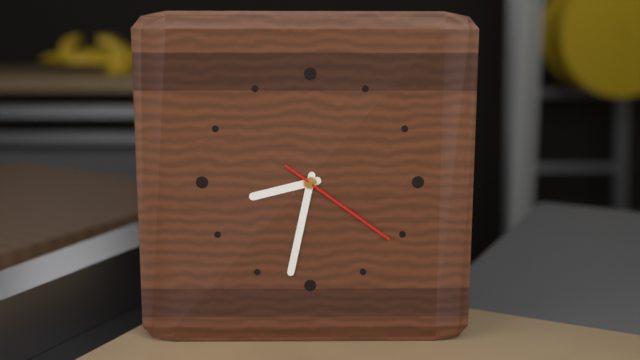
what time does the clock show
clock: 8:32:21
